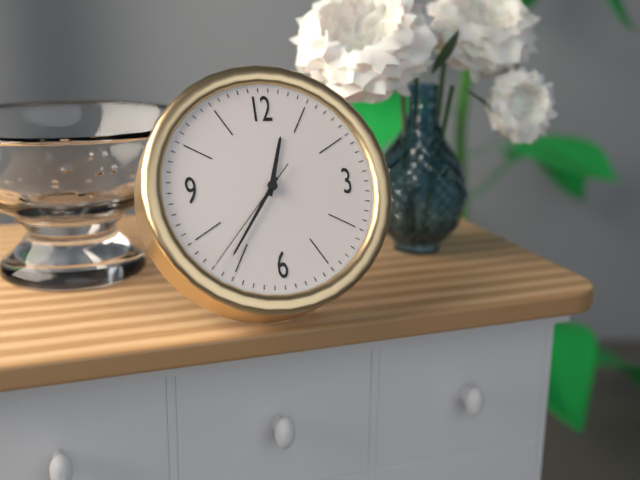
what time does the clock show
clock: 12:36:37
